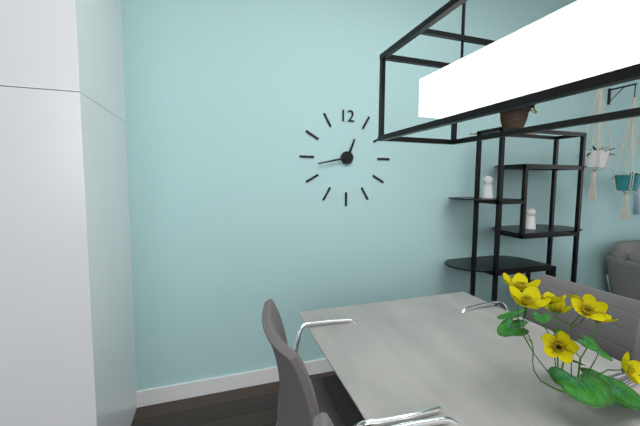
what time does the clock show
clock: 12:43
